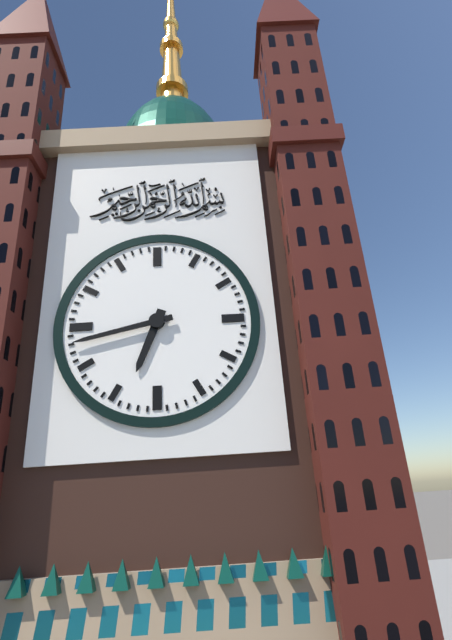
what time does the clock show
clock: 6:43
